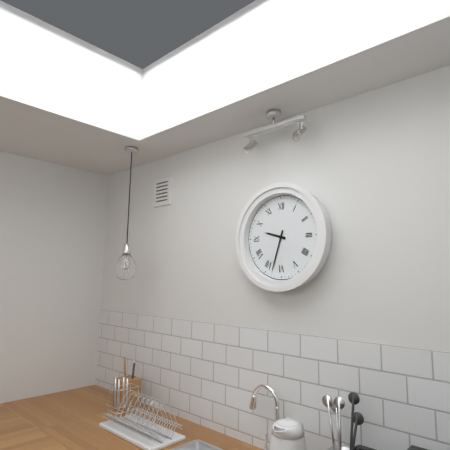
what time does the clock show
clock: 9:33
